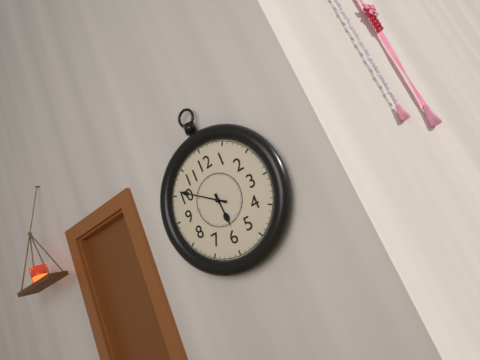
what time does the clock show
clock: 5:51
